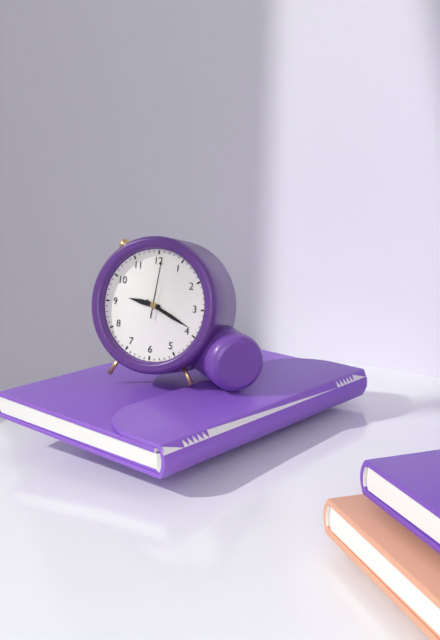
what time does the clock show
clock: 9:19:01
